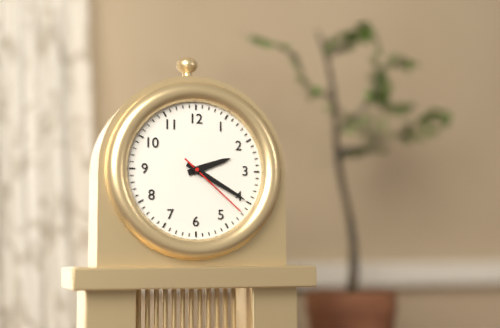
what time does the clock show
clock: 2:20:22
